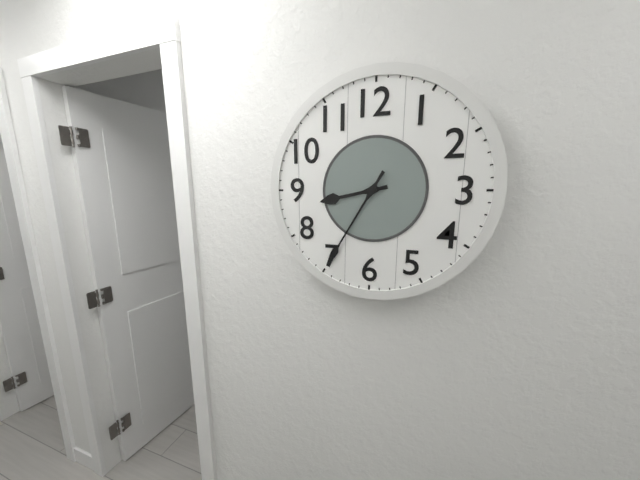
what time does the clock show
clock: 8:35
